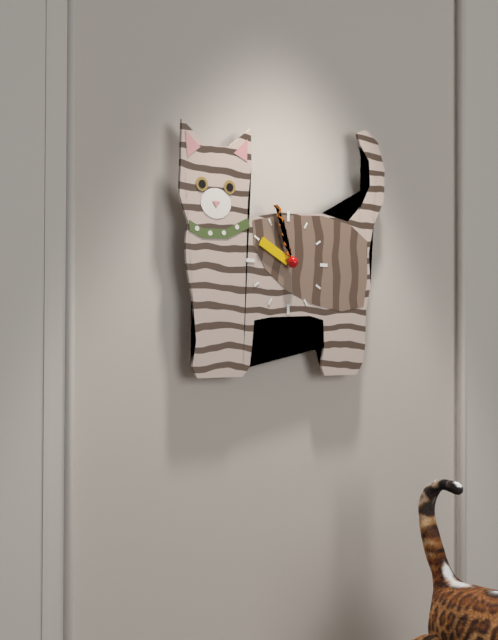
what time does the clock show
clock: 9:57
